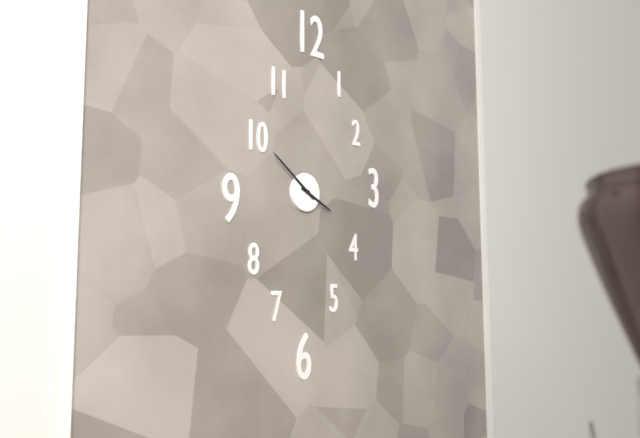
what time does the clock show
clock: 3:51
